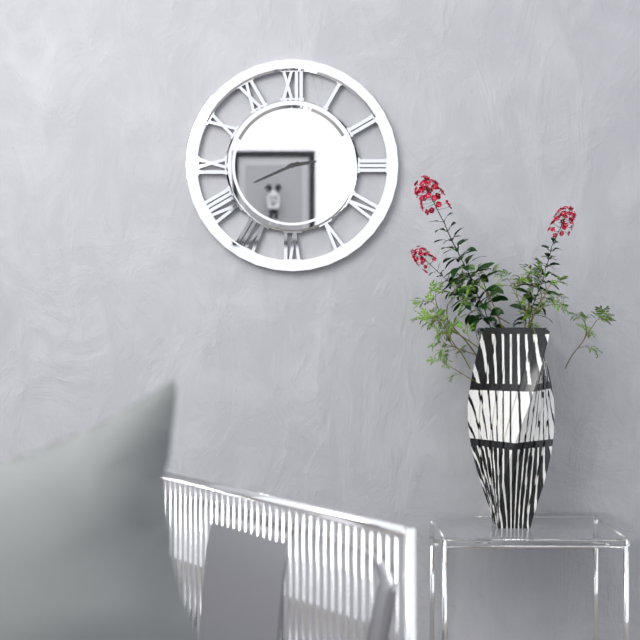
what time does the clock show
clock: 2:41
